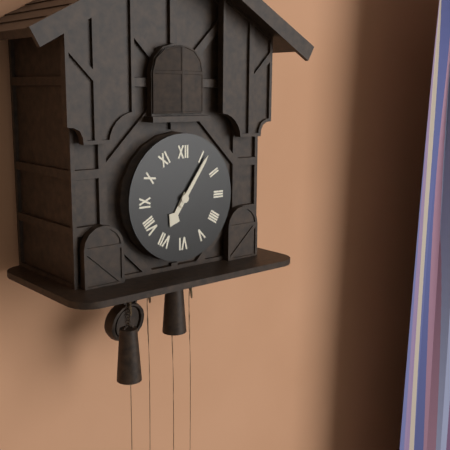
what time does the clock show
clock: 7:06
